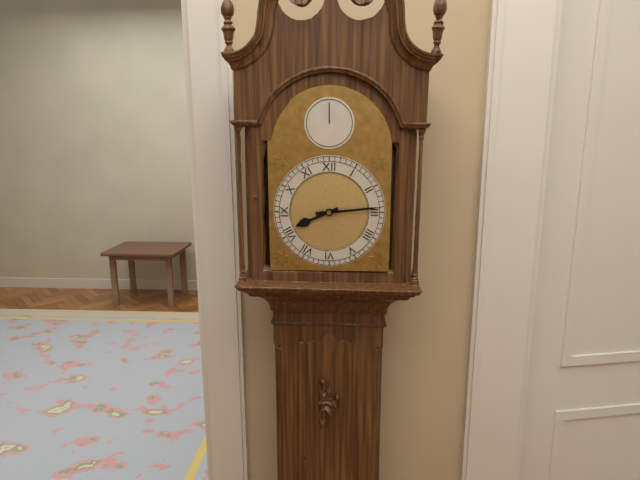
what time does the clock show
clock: 8:14
